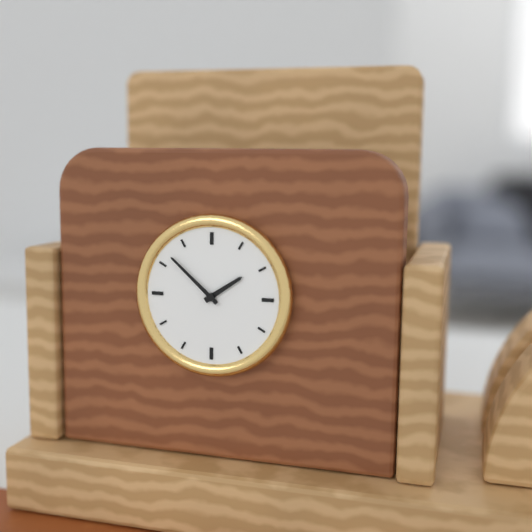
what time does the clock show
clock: 1:52
